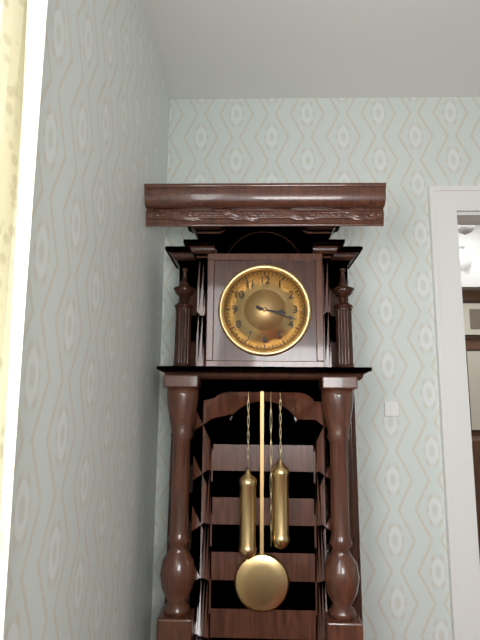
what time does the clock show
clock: 3:18
